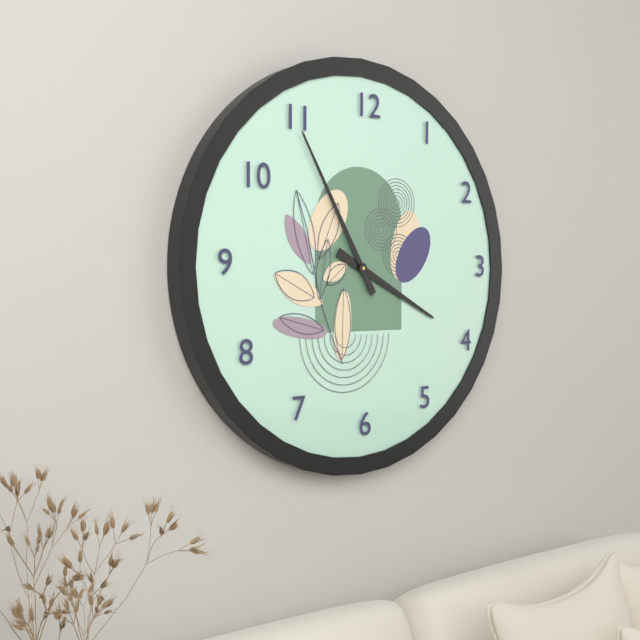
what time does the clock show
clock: 3:55
